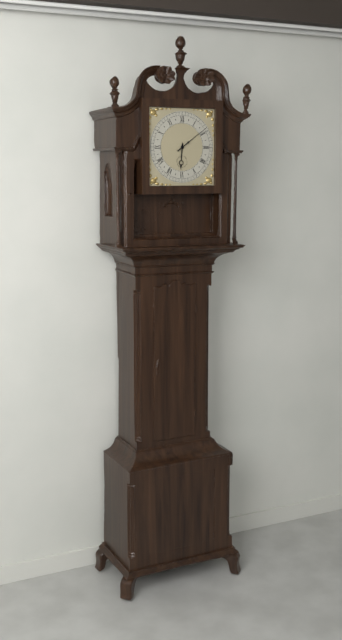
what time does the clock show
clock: 6:09
